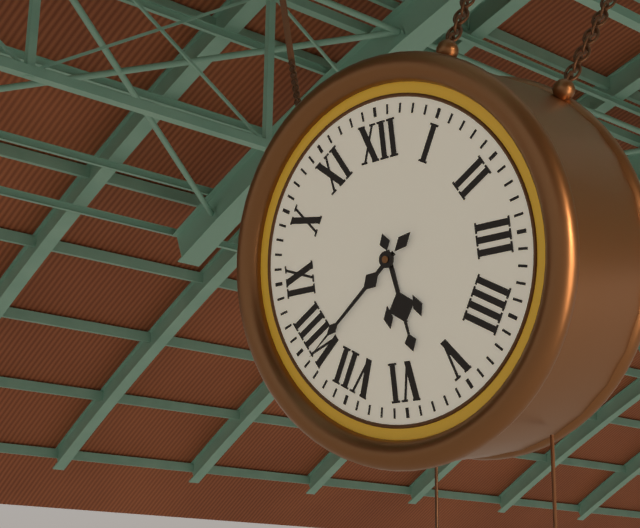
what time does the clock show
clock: 5:39
